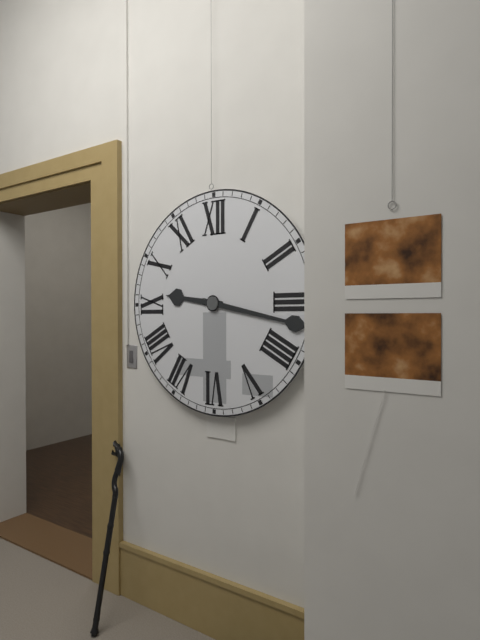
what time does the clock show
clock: 9:17
